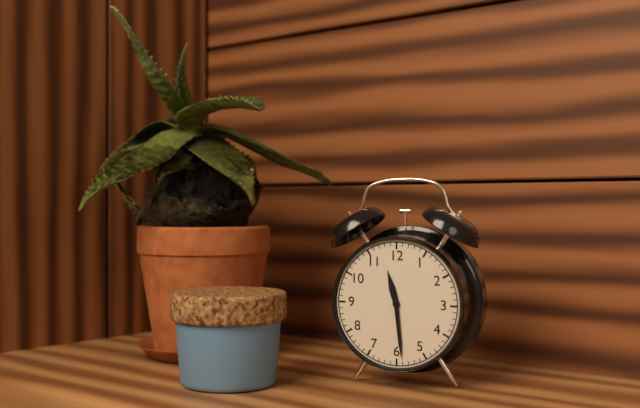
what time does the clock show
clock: 11:29
